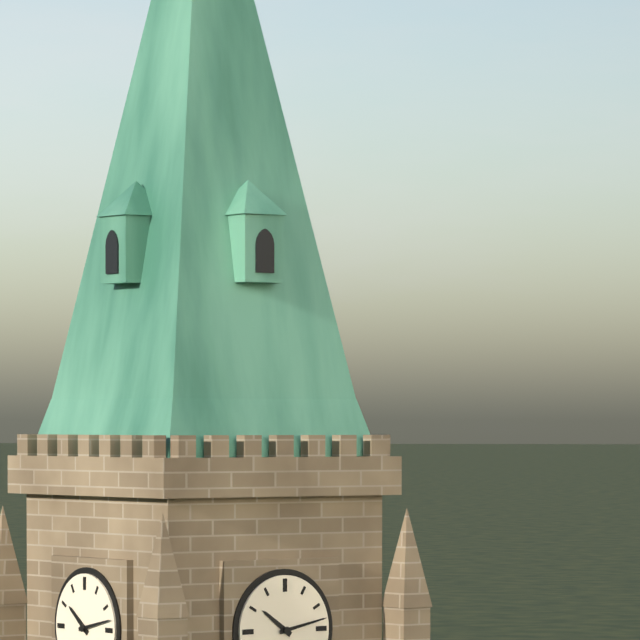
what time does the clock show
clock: 10:13
